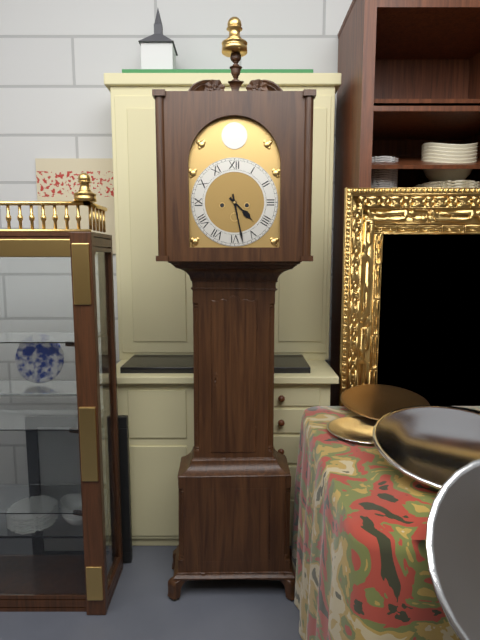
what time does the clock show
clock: 4:28
